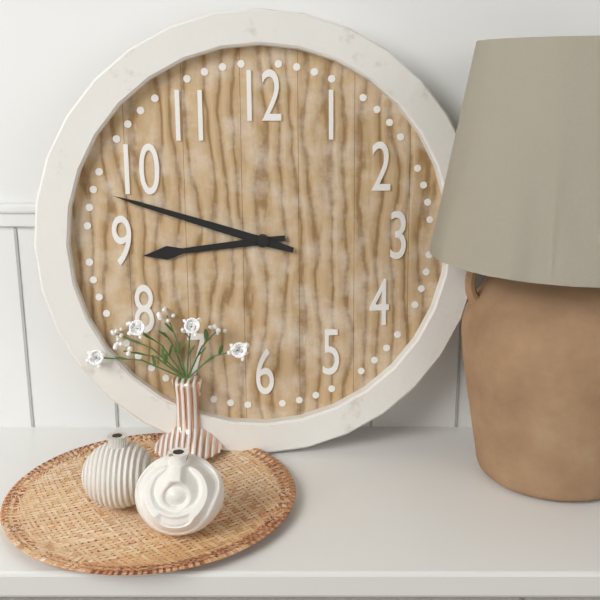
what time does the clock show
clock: 8:48
